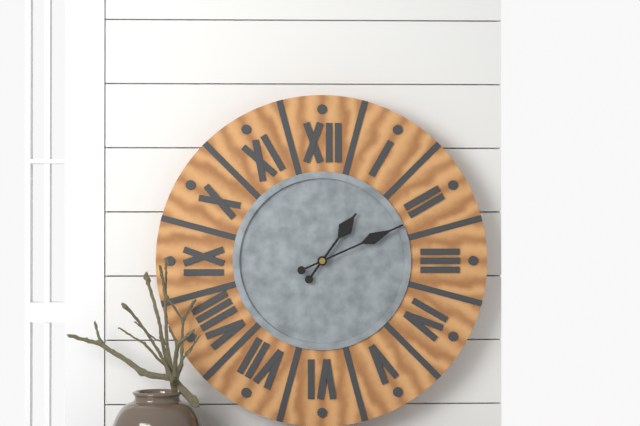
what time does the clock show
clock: 1:11
